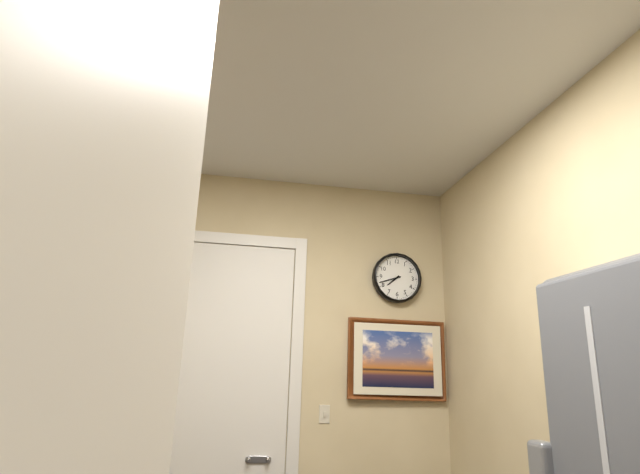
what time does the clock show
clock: 7:42
